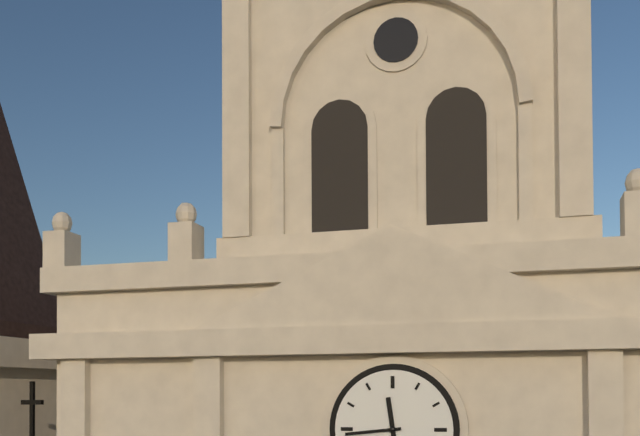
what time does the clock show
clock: 11:44
